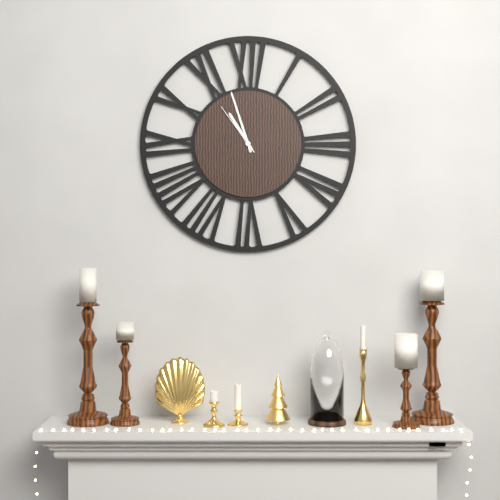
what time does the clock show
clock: 10:57:54
